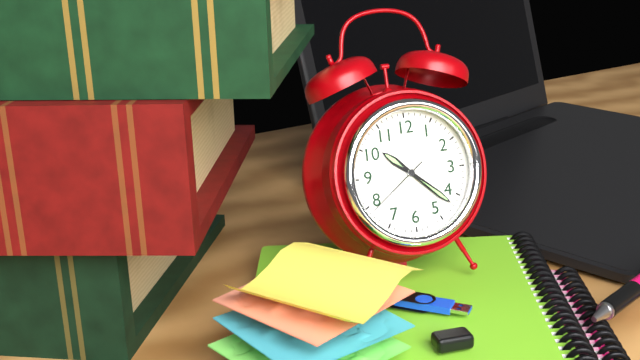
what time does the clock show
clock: 10:22:39
